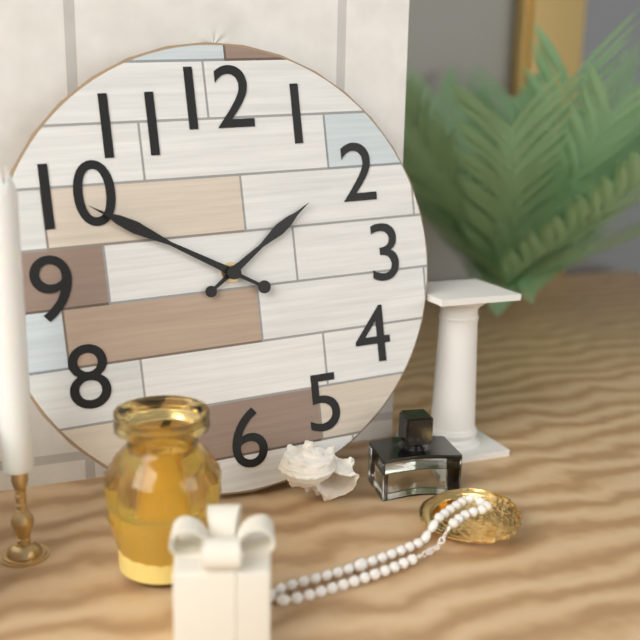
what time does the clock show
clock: 1:50
